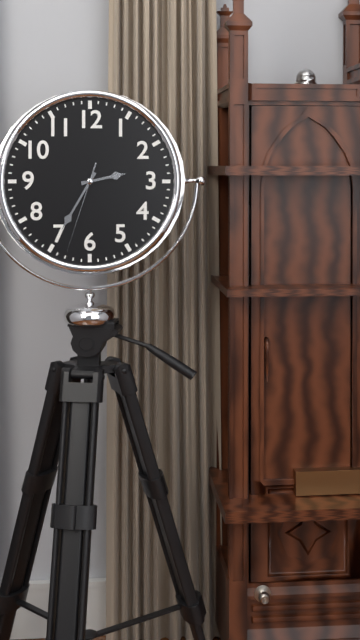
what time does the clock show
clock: 2:35:33
